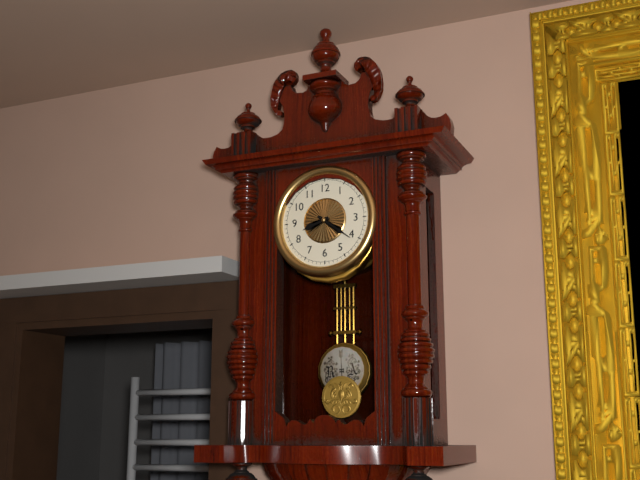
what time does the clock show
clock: 8:21
